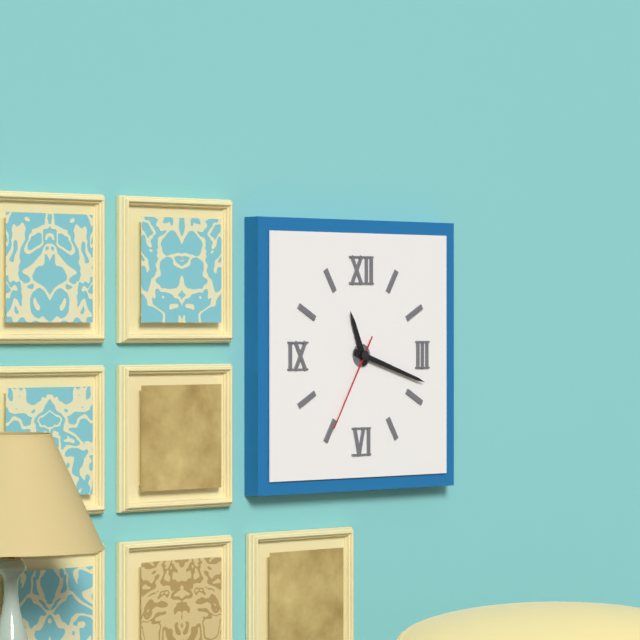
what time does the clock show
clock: 11:18:35
